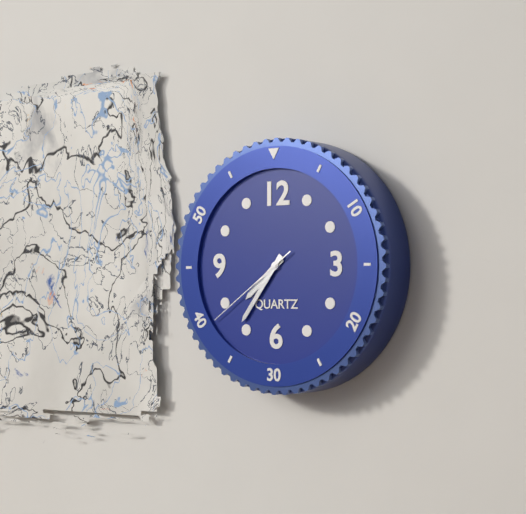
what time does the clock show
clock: 7:36:39
